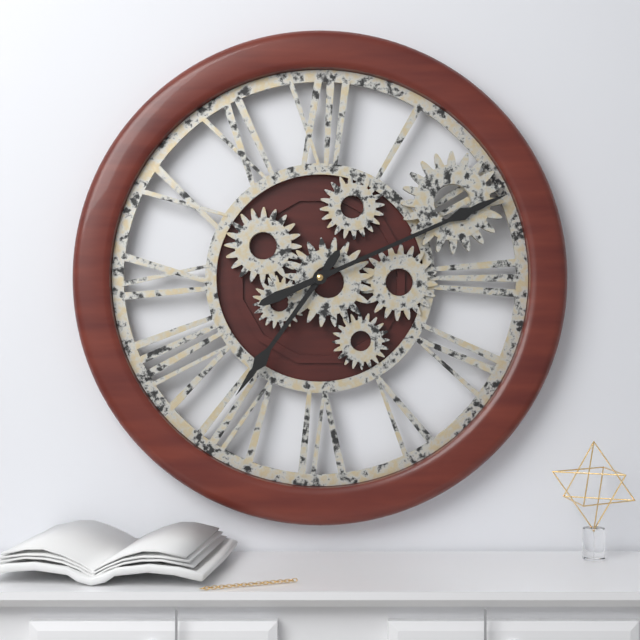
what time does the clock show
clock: 7:11
